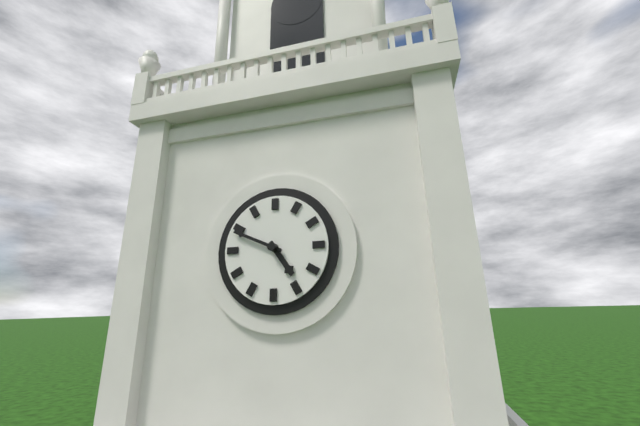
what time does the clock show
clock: 4:49
